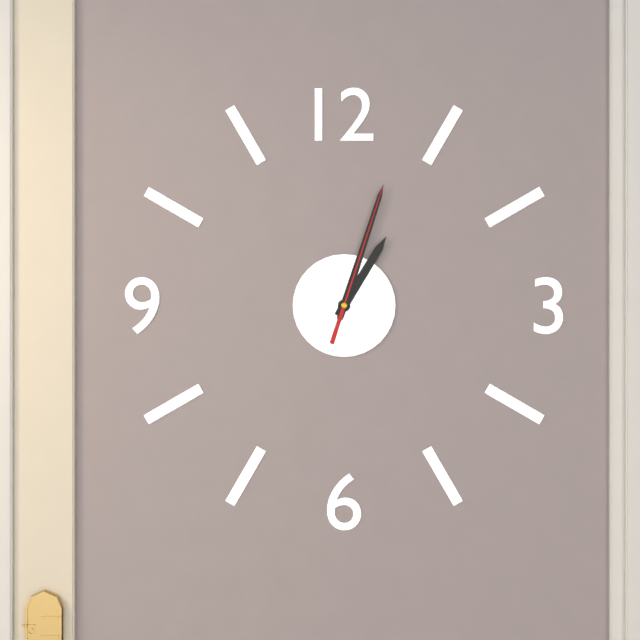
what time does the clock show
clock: 1:03:03
